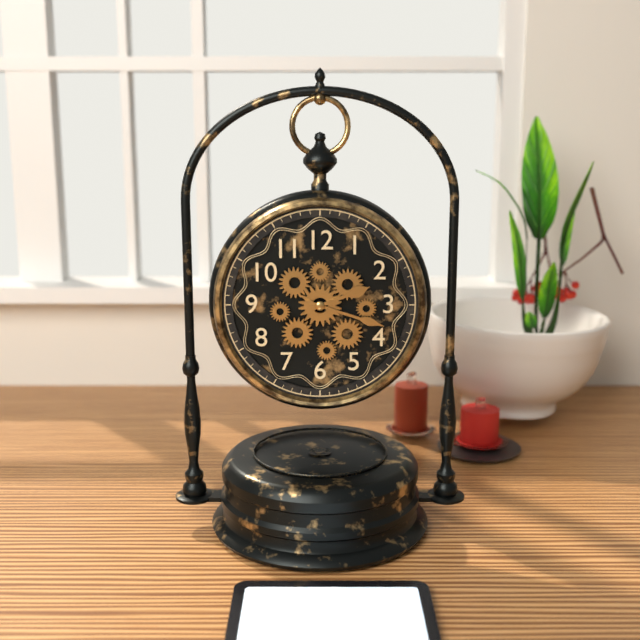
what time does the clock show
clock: 2:18
